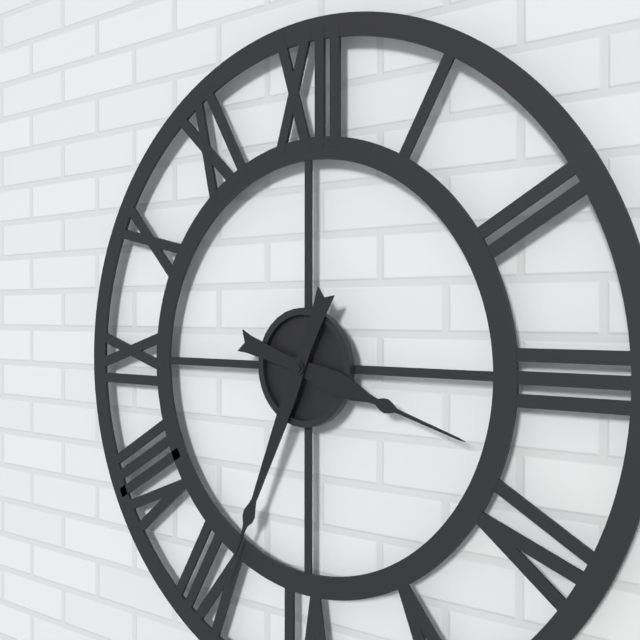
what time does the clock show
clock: 3:34
